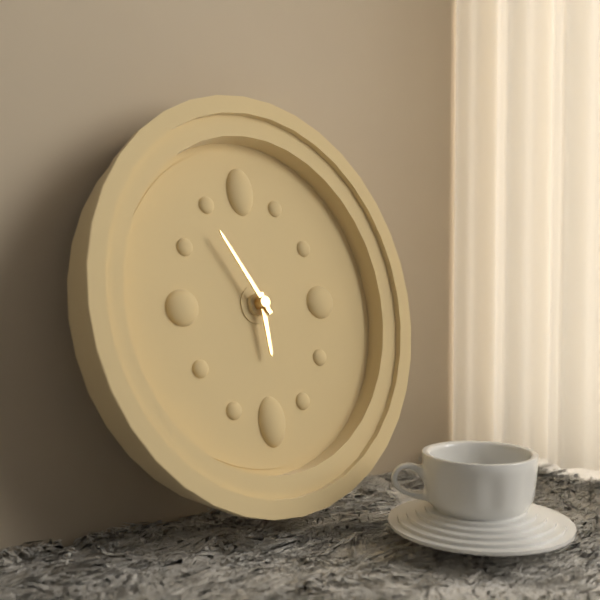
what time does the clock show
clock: 5:55
